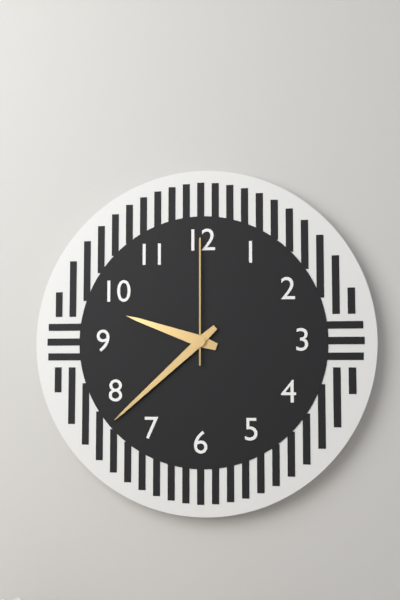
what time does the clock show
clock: 9:38:00
